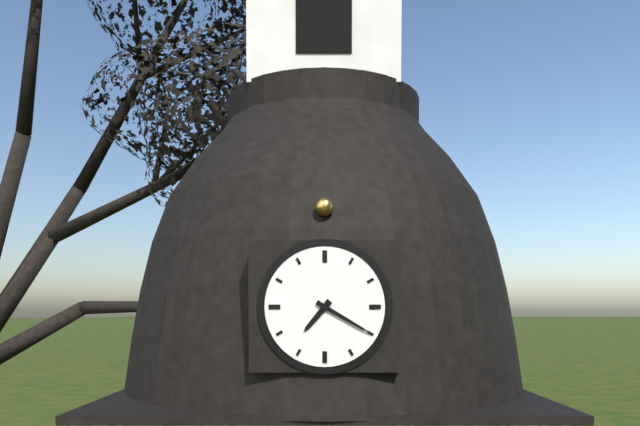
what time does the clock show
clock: 7:20
